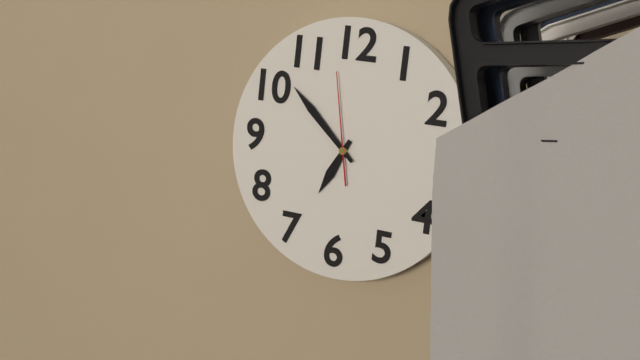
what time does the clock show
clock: 6:52:58
